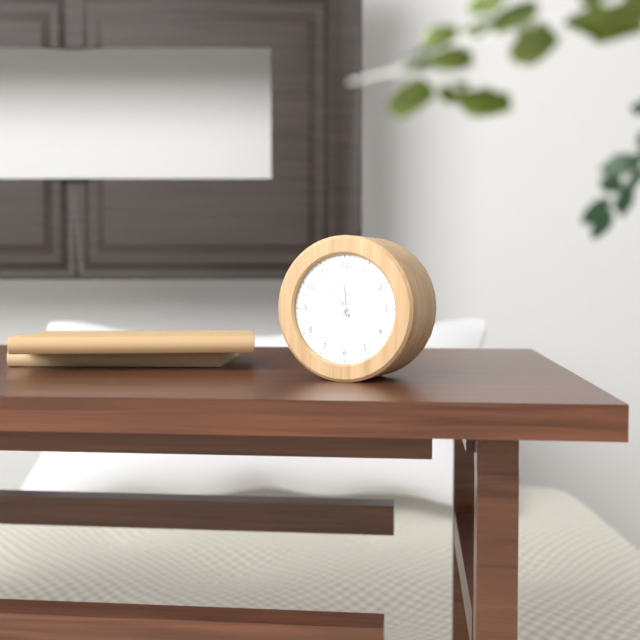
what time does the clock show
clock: 11:53:56
